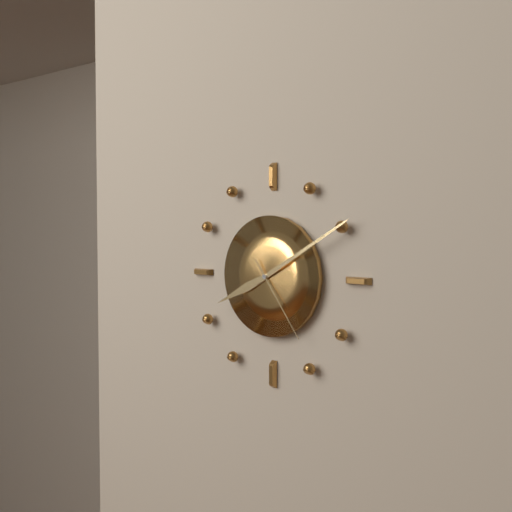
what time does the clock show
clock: 8:10:24
